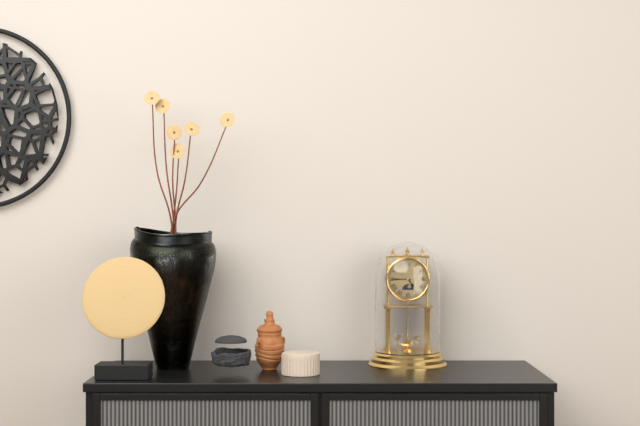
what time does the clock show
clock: 4:45
